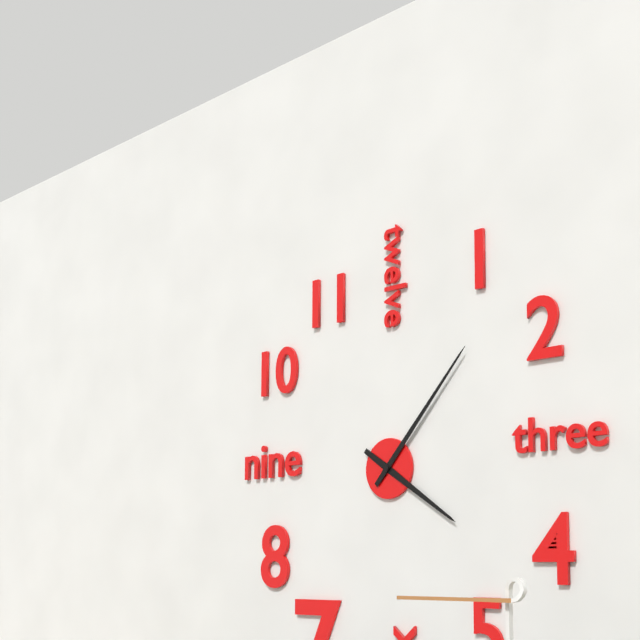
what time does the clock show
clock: 4:07
